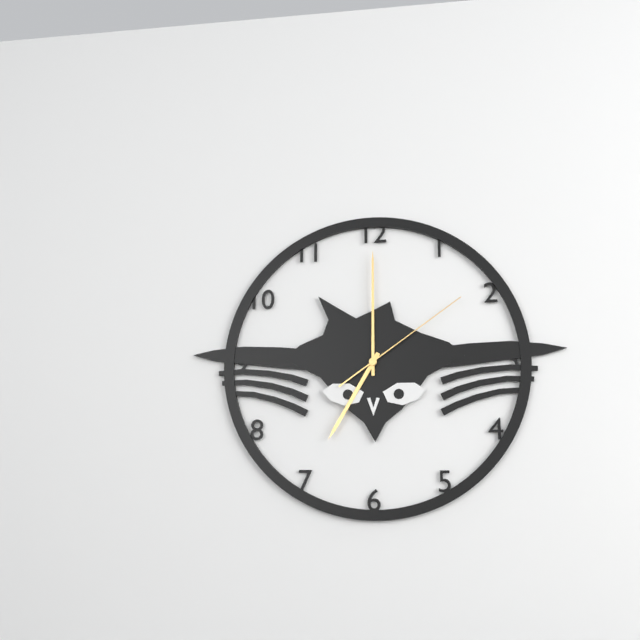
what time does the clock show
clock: 7:00:09
